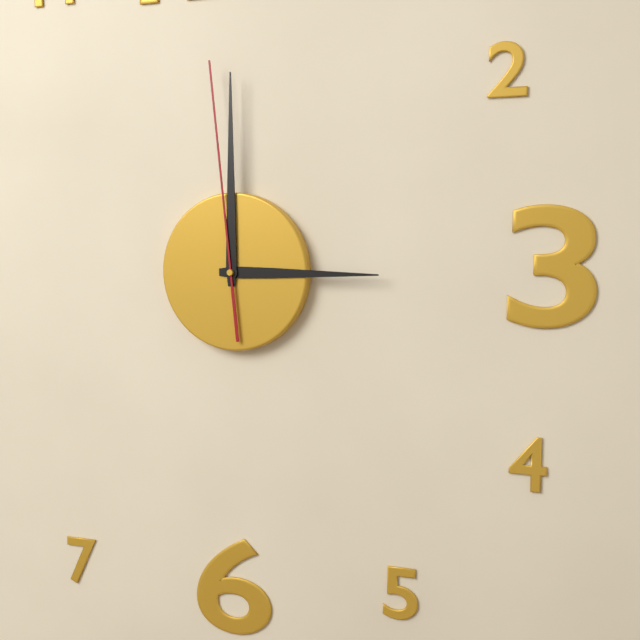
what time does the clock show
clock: 3:00:59
